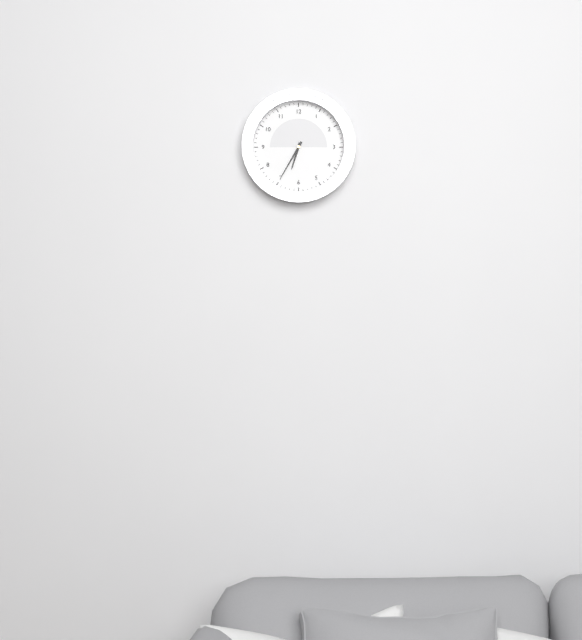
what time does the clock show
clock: 6:35
